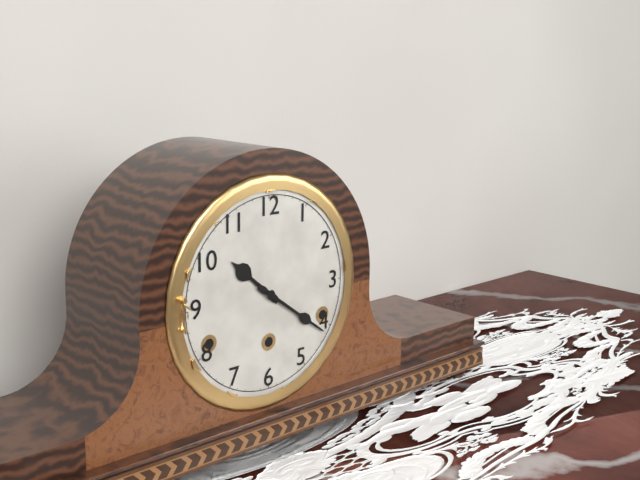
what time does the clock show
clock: 10:21
